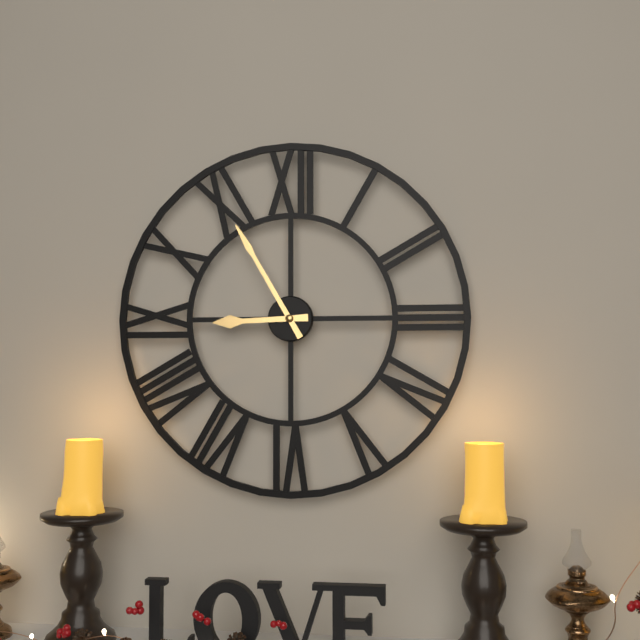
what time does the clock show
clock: 8:55
